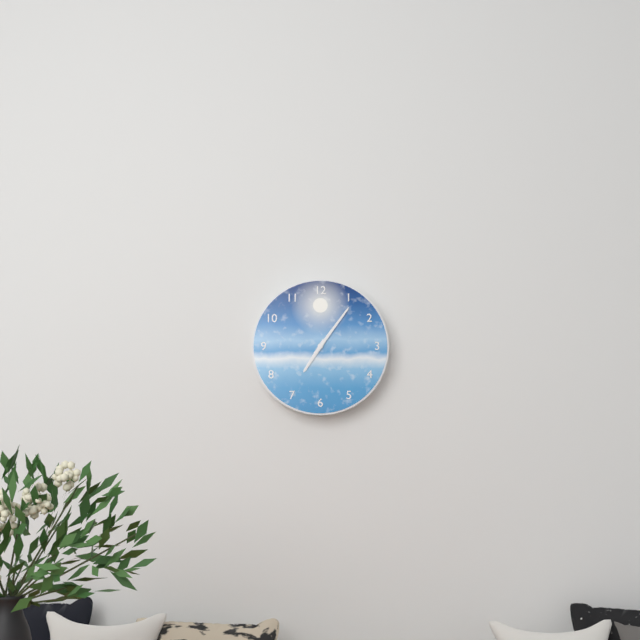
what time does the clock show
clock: 7:06
